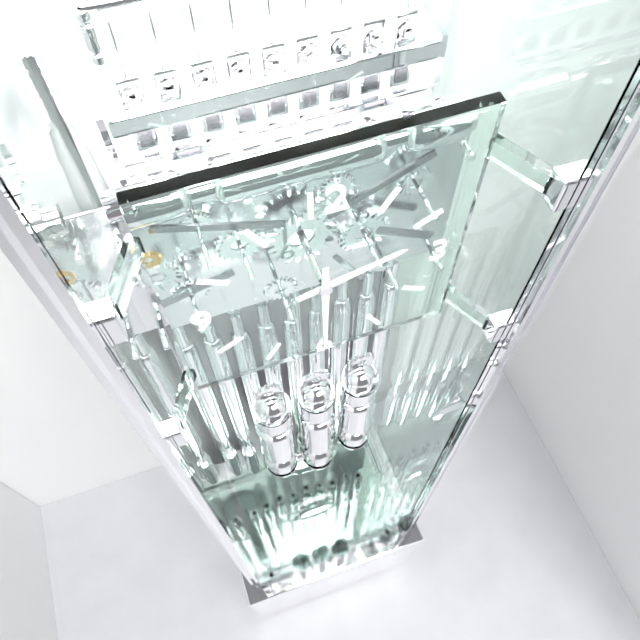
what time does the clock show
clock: 2:30
